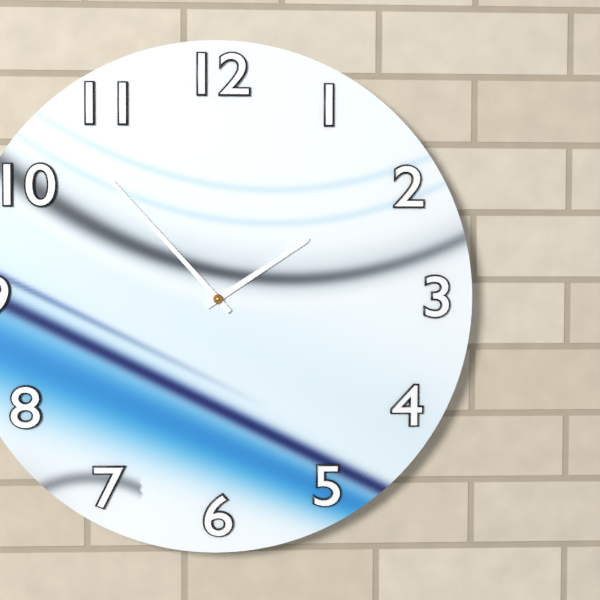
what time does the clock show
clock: 1:53
